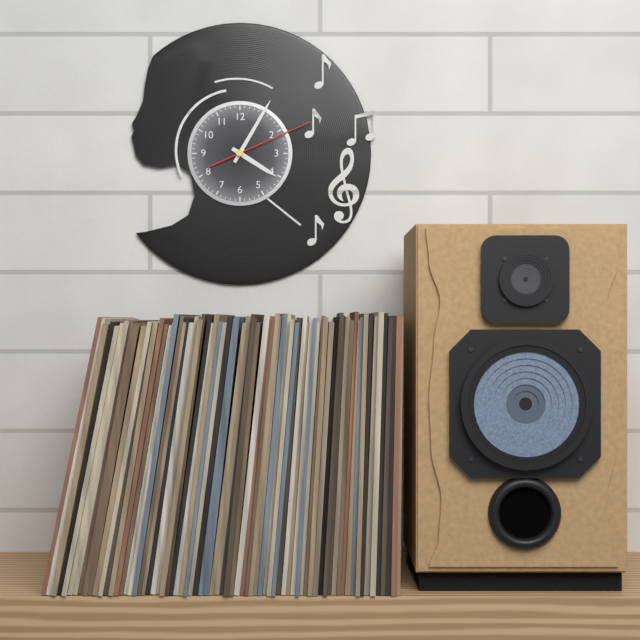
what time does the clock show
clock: 4:05:11
